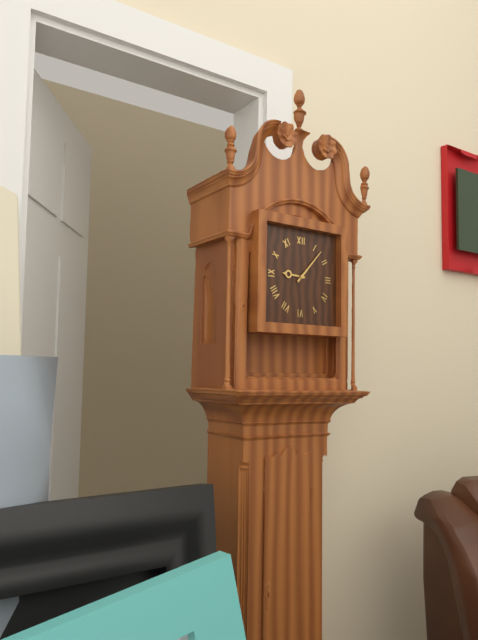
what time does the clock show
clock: 9:07
